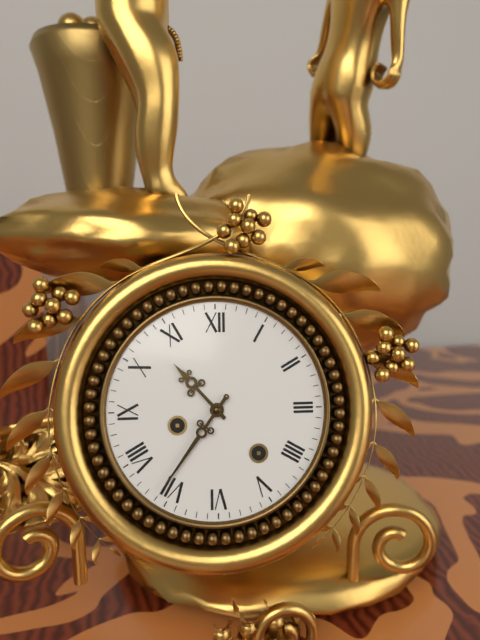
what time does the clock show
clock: 10:36
